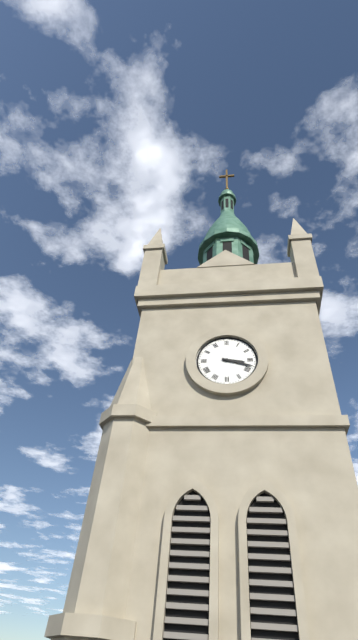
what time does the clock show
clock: 3:18
